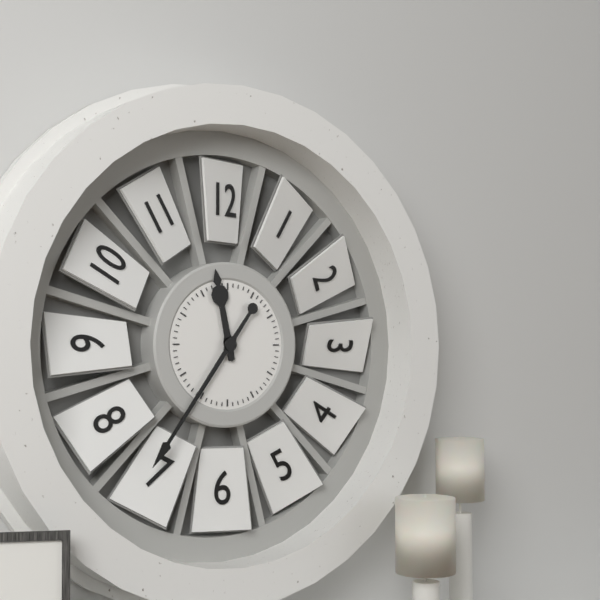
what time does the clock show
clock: 11:36
